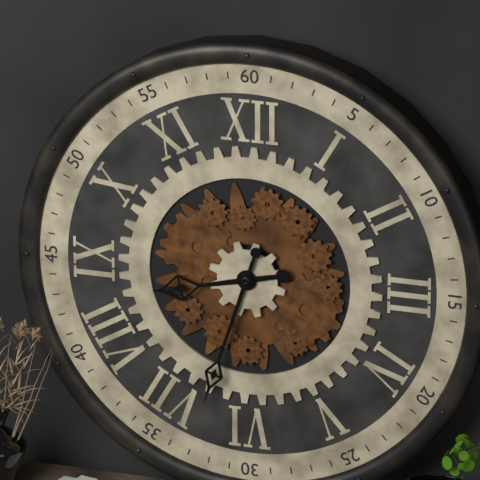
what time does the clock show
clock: 8:33
